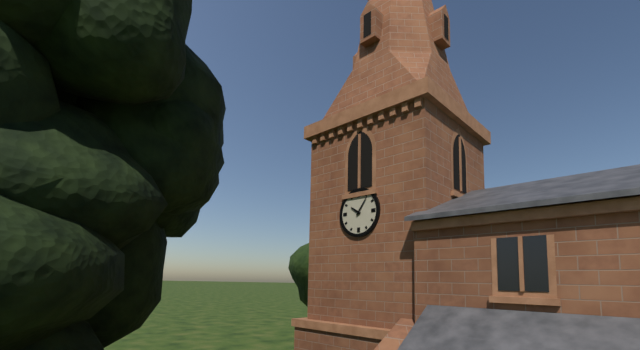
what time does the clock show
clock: 10:06
